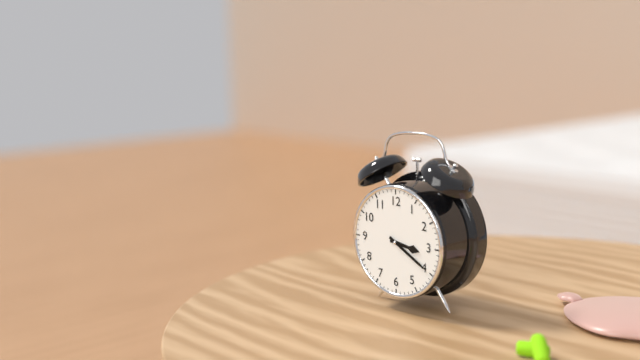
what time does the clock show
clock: 3:20
